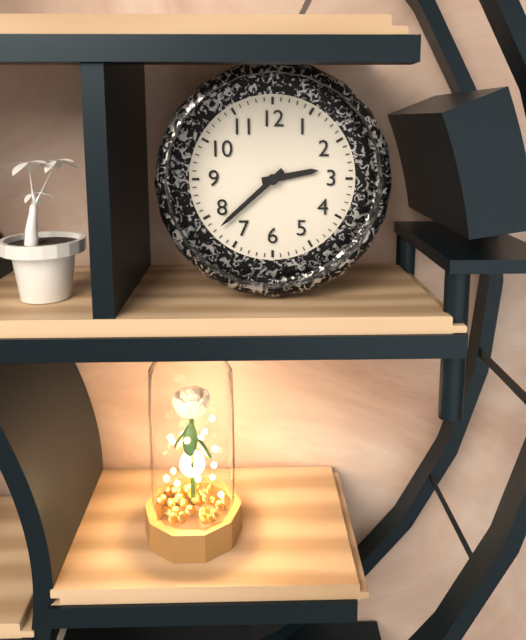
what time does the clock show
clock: 2:38
